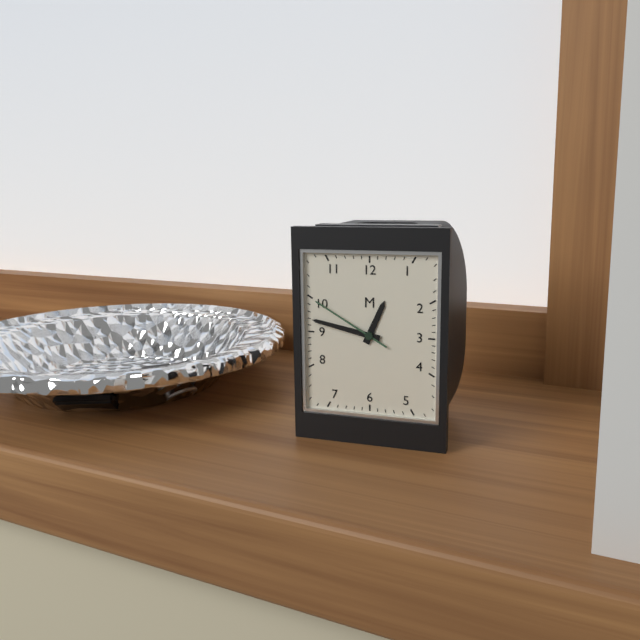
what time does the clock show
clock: 12:47:50
